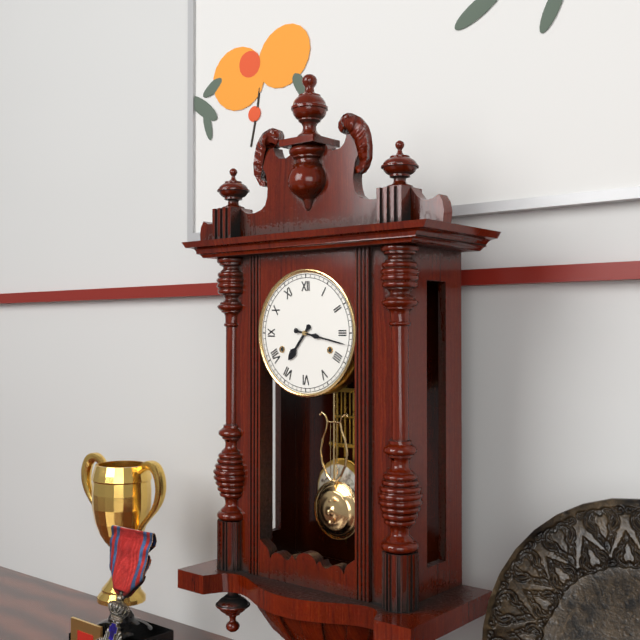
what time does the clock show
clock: 7:17
